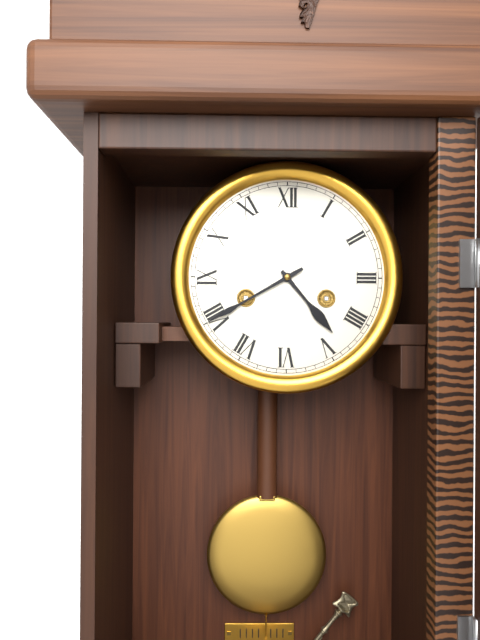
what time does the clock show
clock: 4:40
